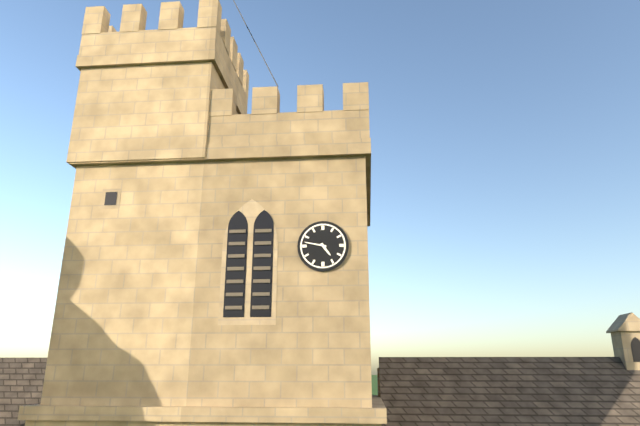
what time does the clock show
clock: 4:47
